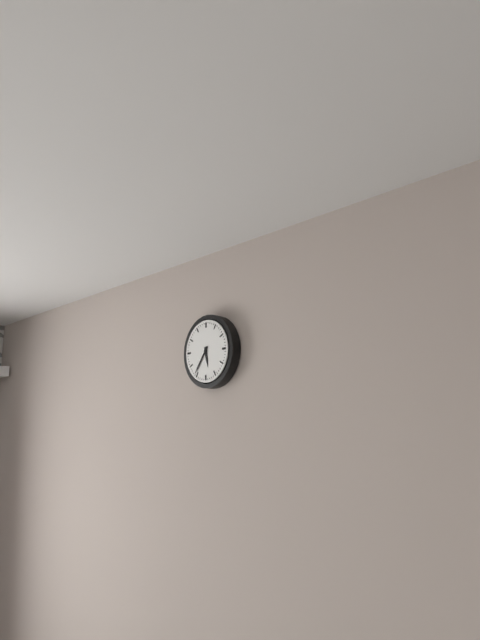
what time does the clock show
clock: 5:36
